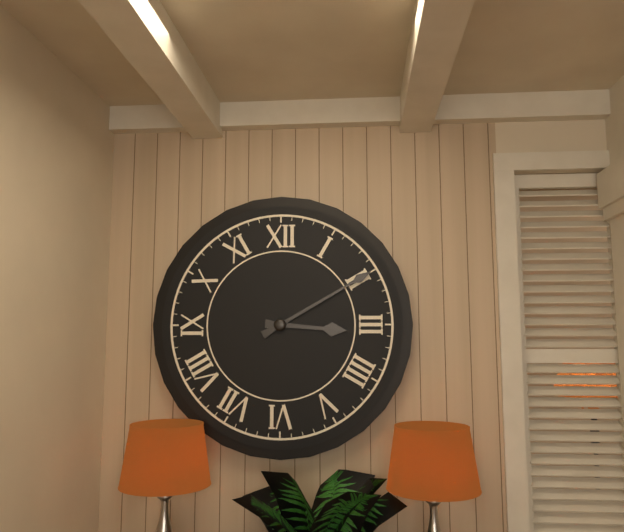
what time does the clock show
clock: 3:10
